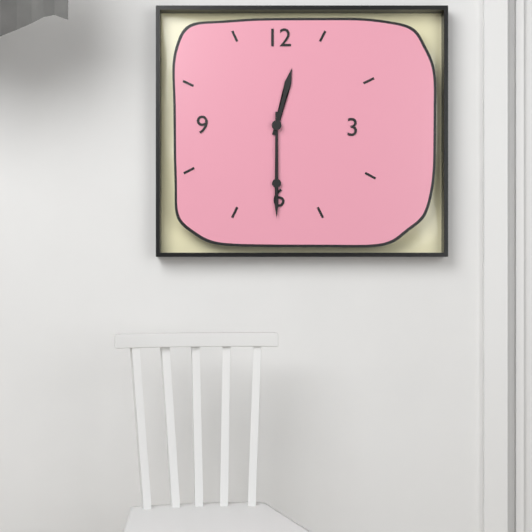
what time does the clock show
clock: 12:30
